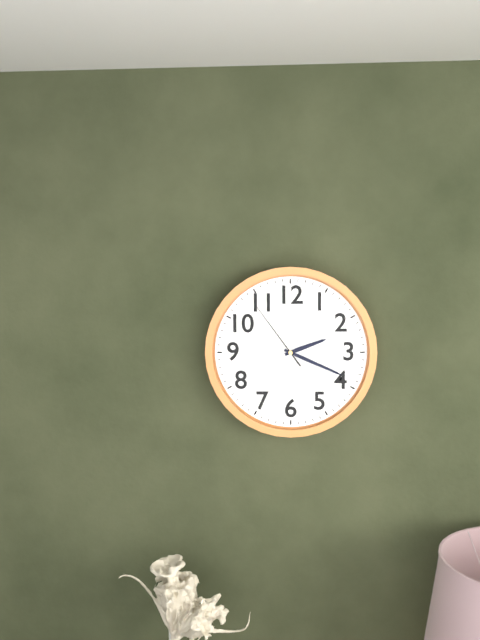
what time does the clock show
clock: 2:19:54
